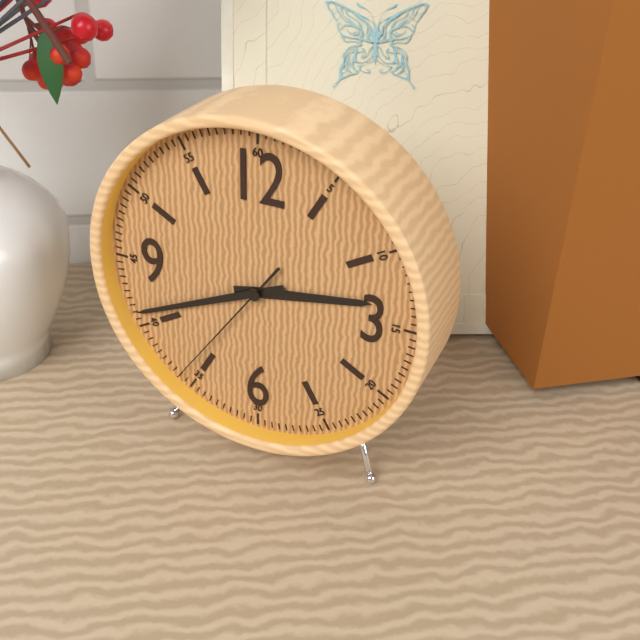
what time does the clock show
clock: 2:41:36
